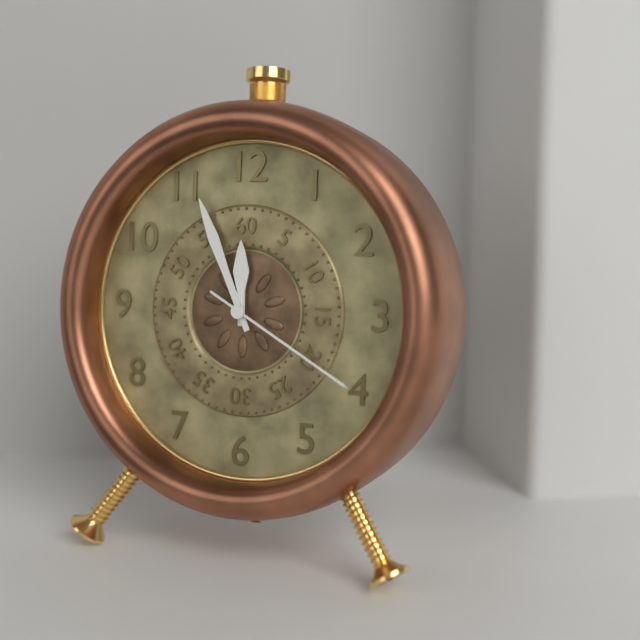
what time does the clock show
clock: 11:56:20
